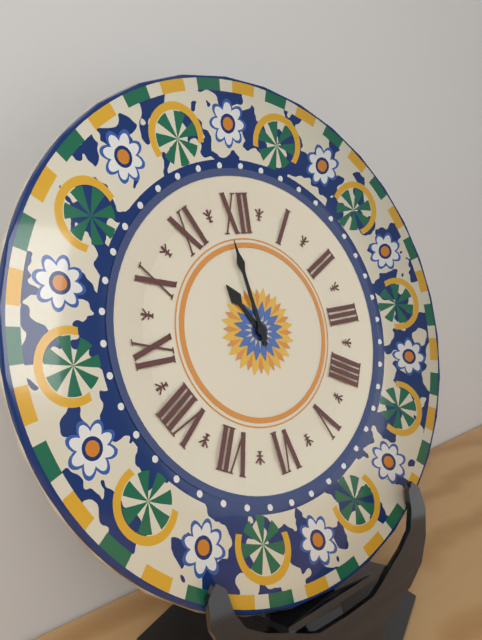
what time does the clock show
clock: 10:59
